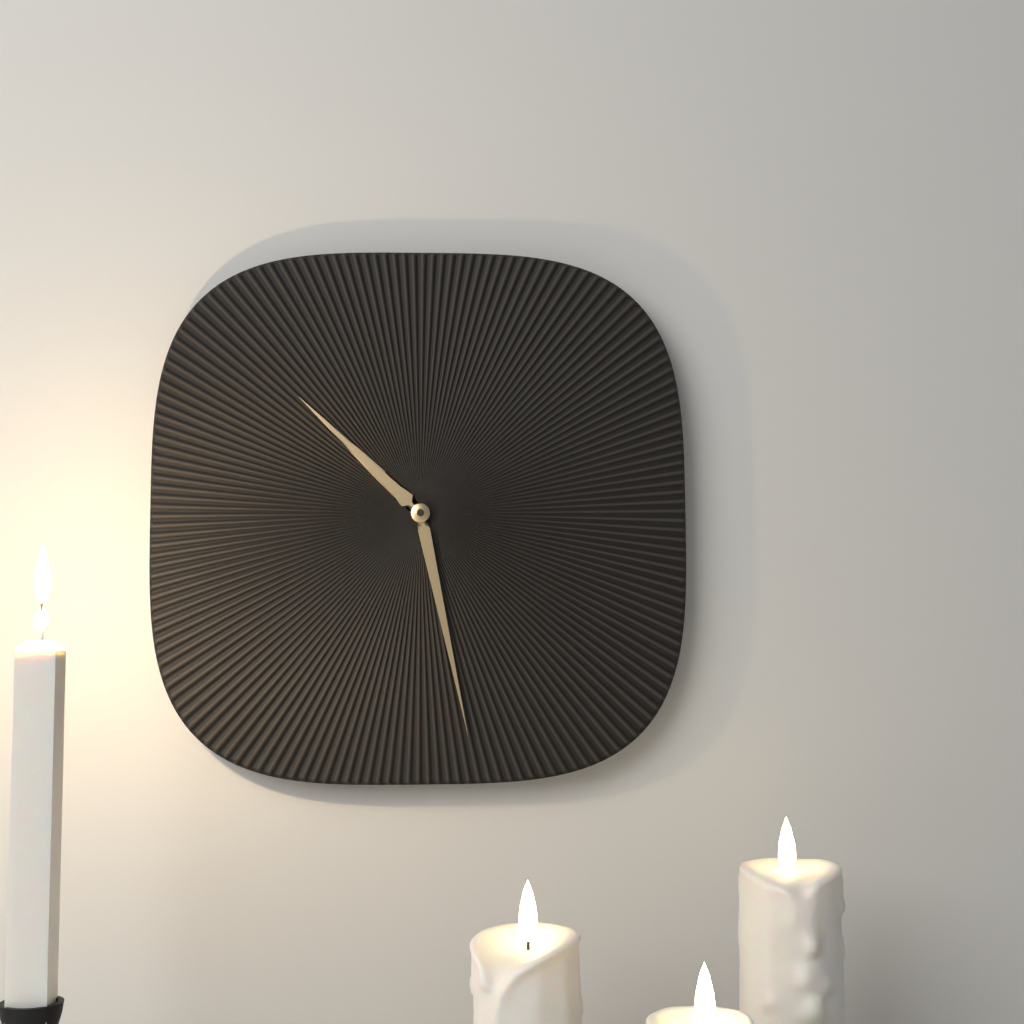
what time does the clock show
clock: 10:28
